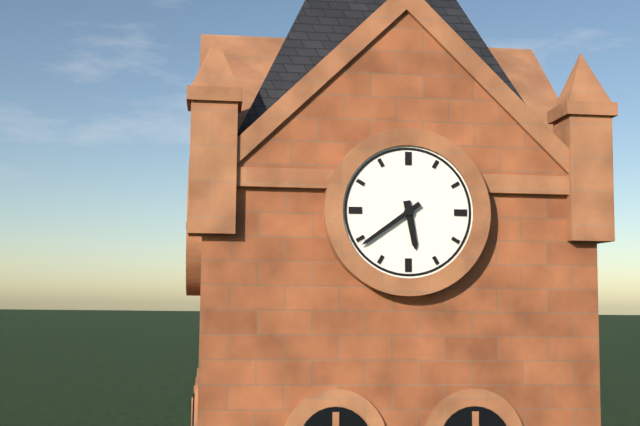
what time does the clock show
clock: 5:39
